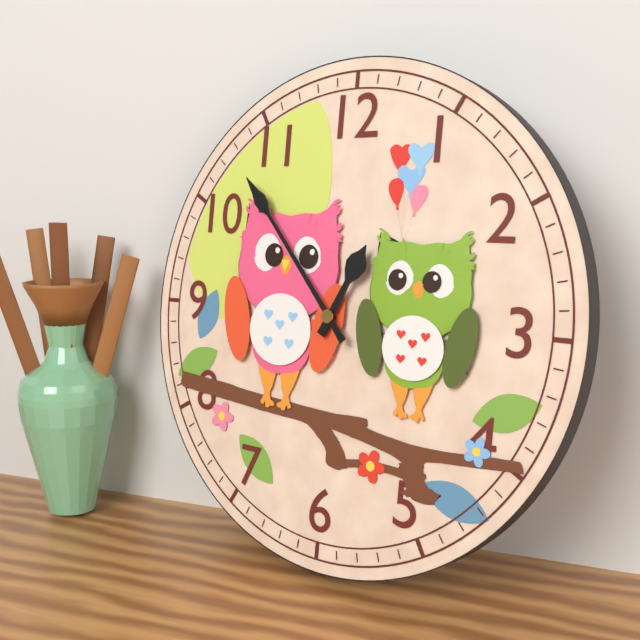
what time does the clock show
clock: 12:53
